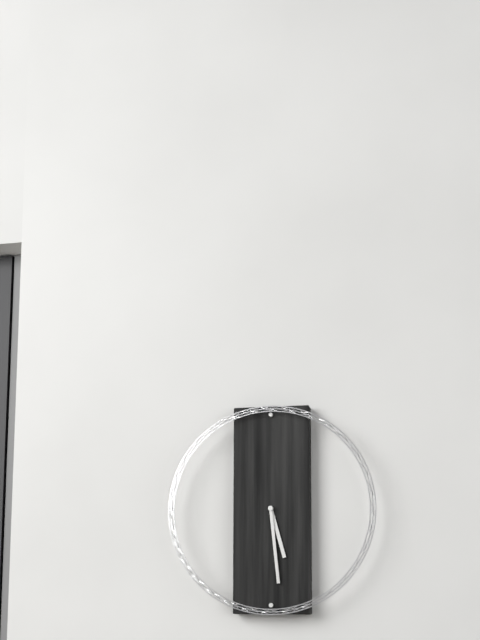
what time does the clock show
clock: 5:29
